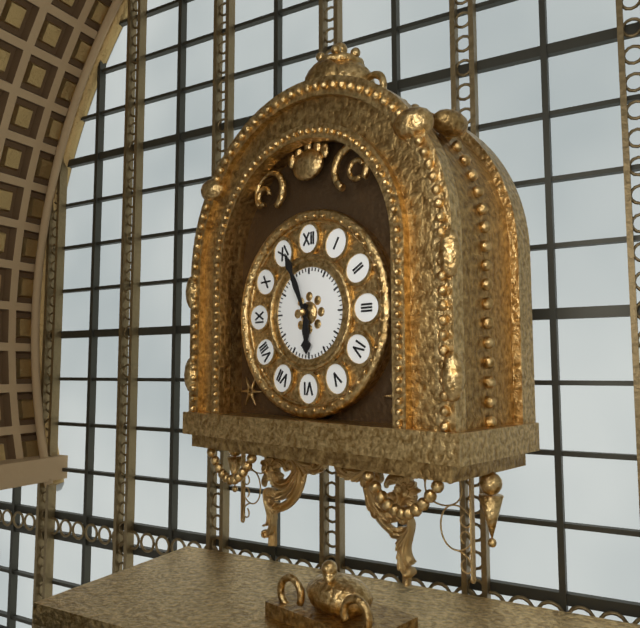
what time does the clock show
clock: 5:56
